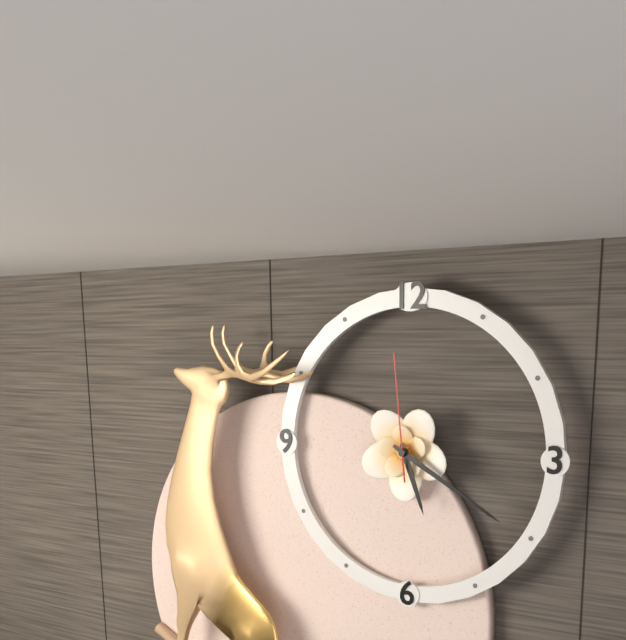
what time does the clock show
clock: 5:20:59
